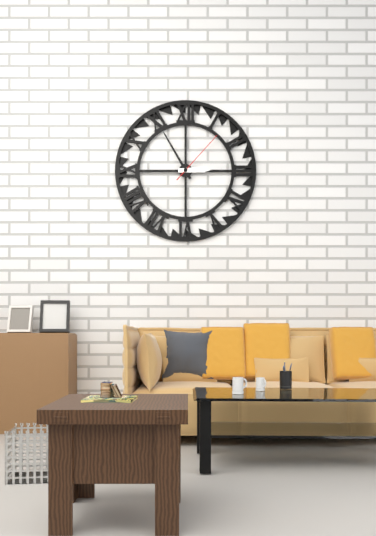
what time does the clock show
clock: 2:55:07
